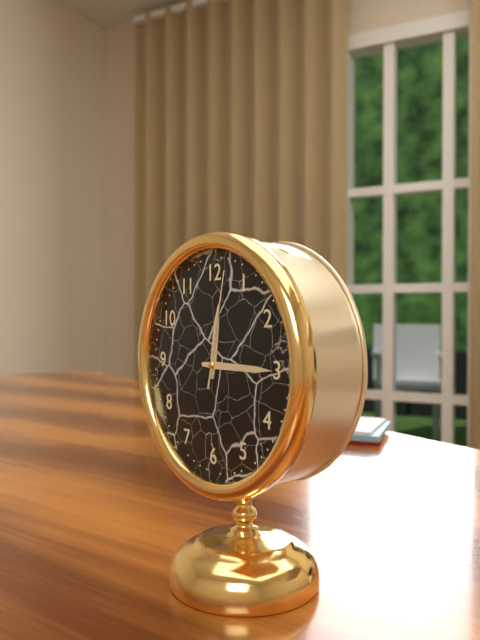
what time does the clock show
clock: 12:15:02
